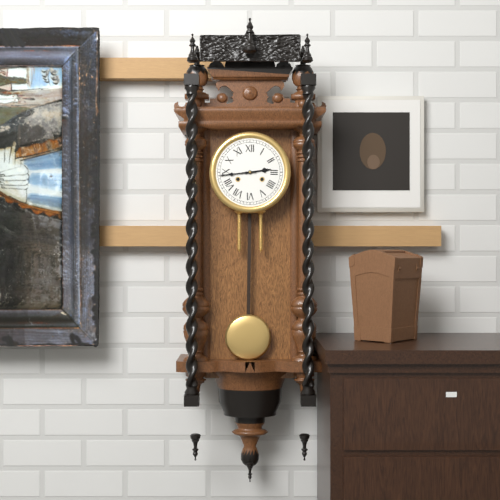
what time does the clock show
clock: 2:44
